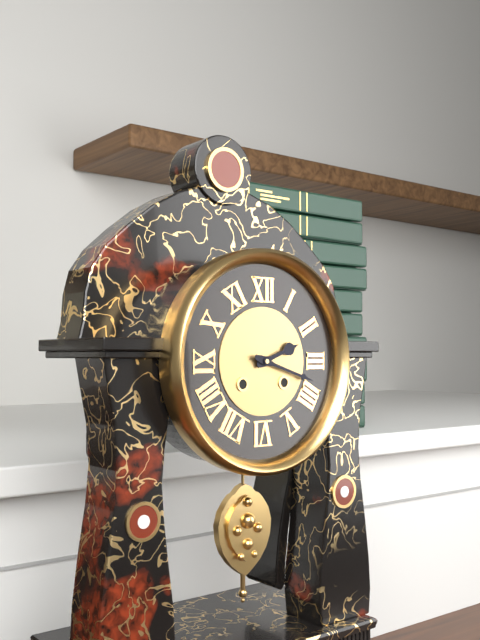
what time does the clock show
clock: 2:18
